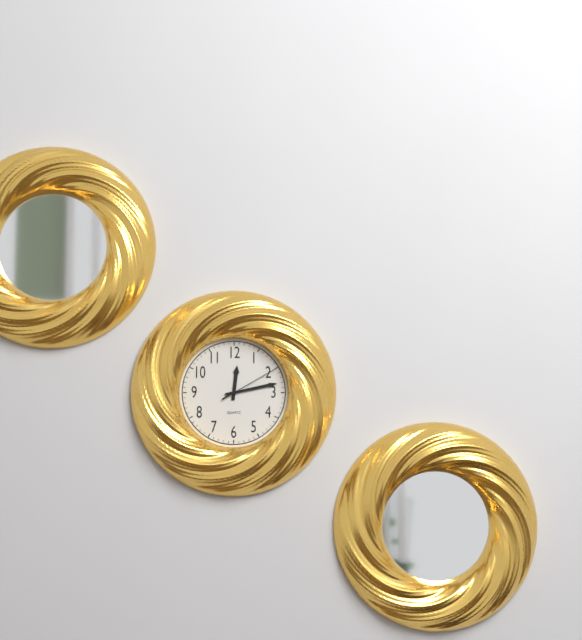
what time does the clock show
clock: 12:13:10
